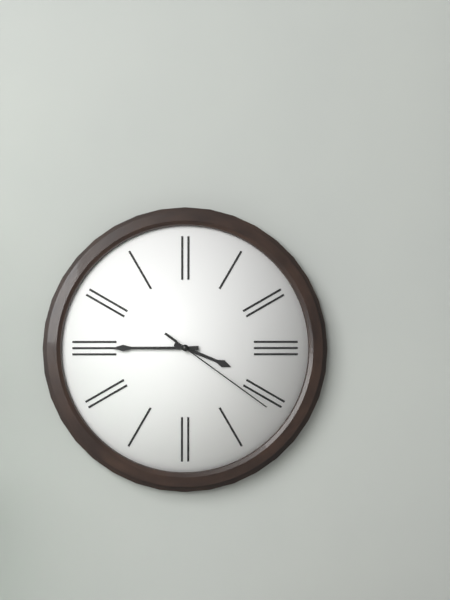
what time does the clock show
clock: 3:45:21
